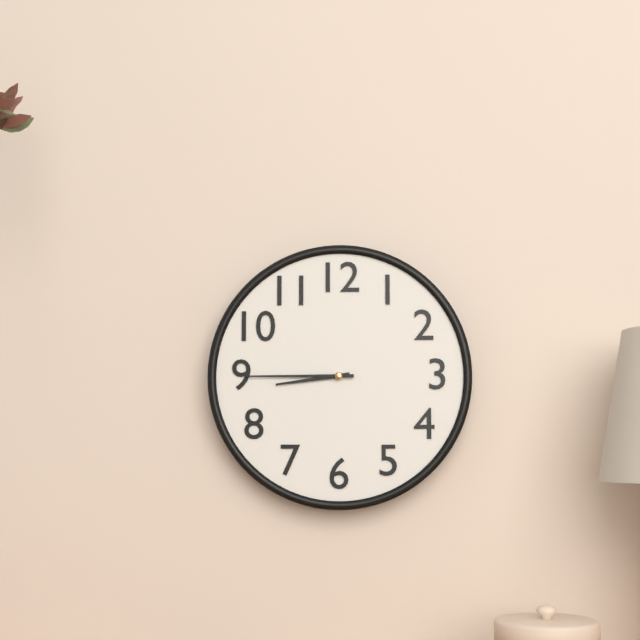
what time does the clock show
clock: 8:45
